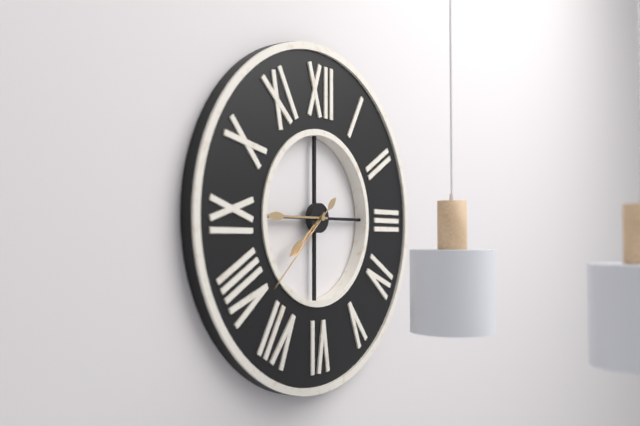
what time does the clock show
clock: 7:45:38
